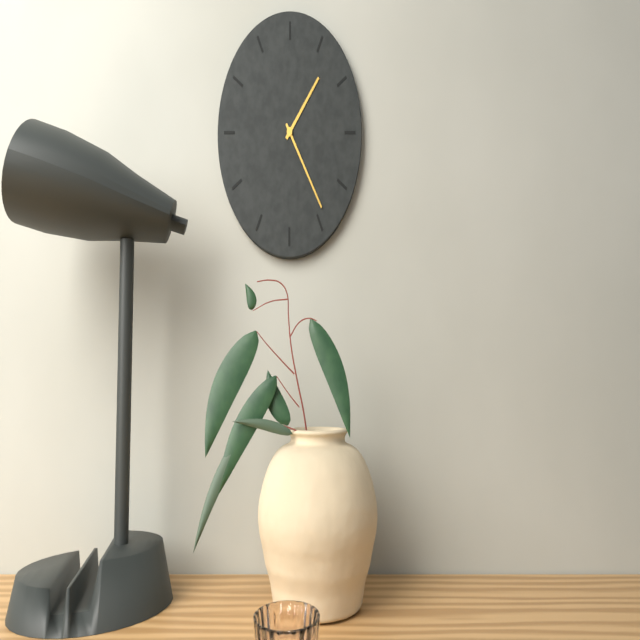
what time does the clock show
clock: 1:24
